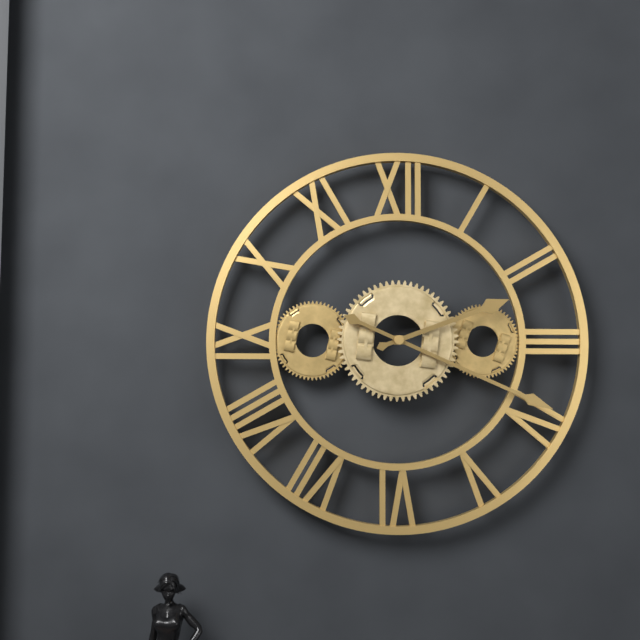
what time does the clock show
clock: 2:19
